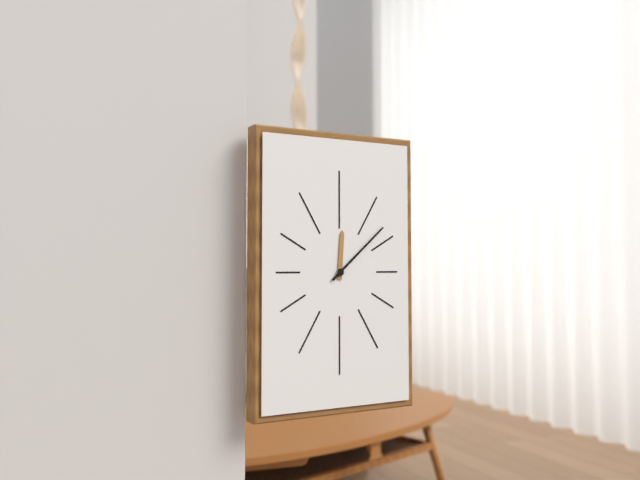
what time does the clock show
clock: 12:08
